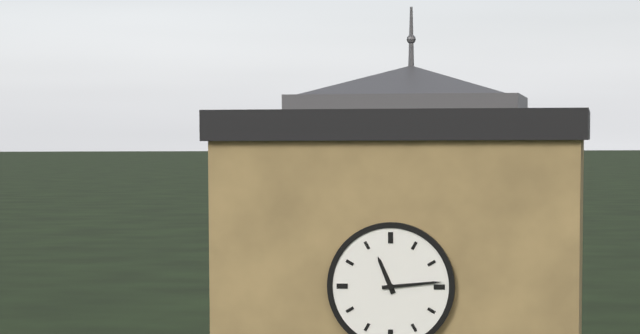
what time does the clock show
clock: 11:14
